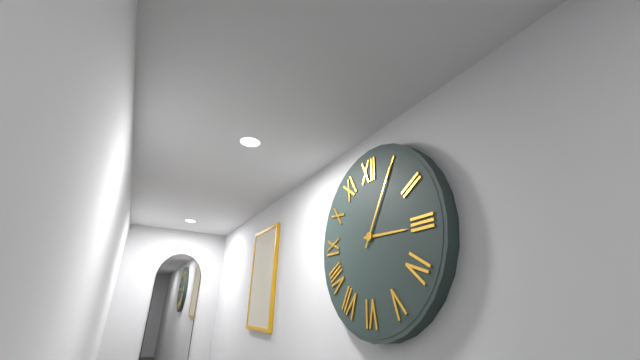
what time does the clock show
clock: 3:05
